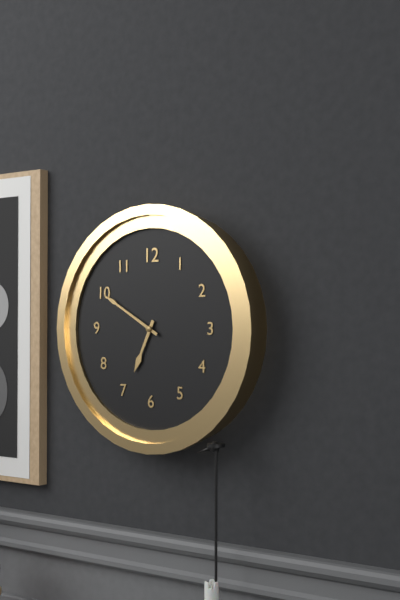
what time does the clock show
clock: 6:50
